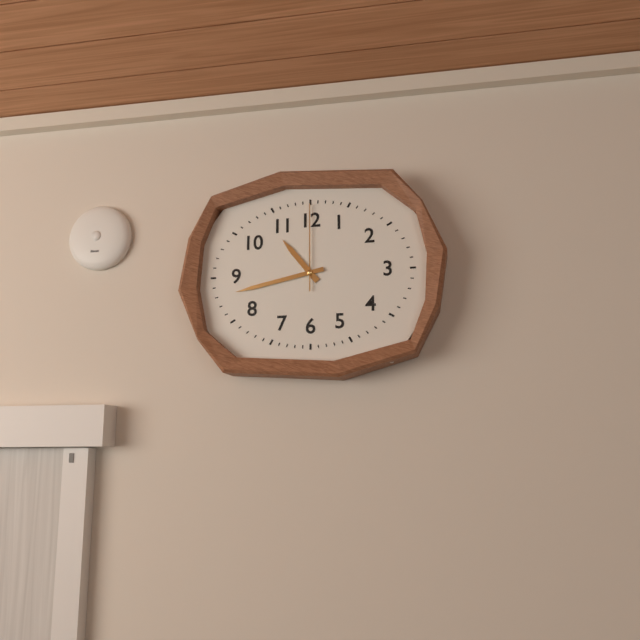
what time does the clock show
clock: 10:43:00
